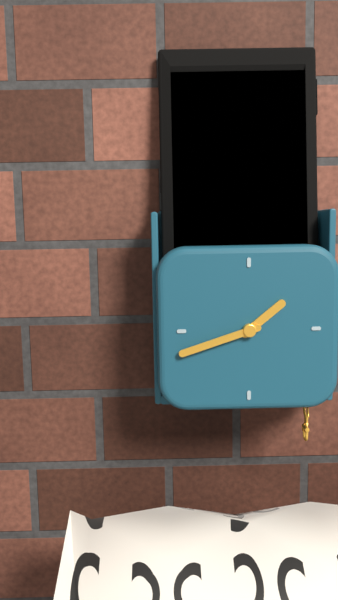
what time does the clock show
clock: 1:42
